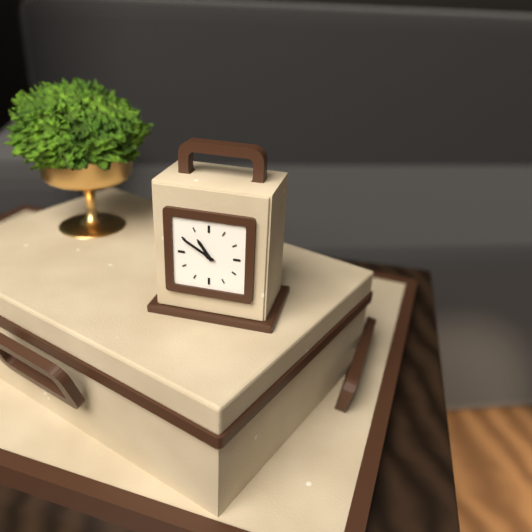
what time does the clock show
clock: 10:50
